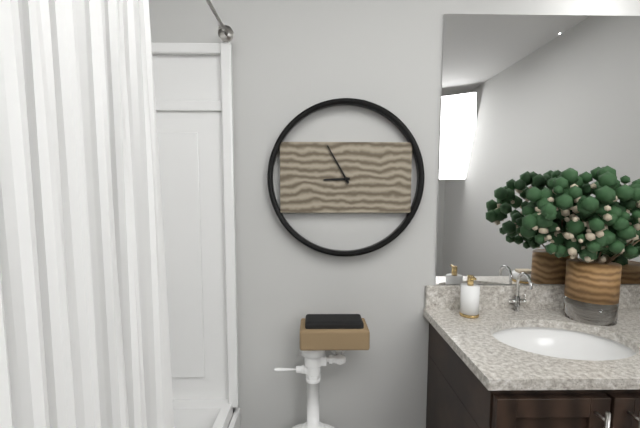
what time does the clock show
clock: 8:55
